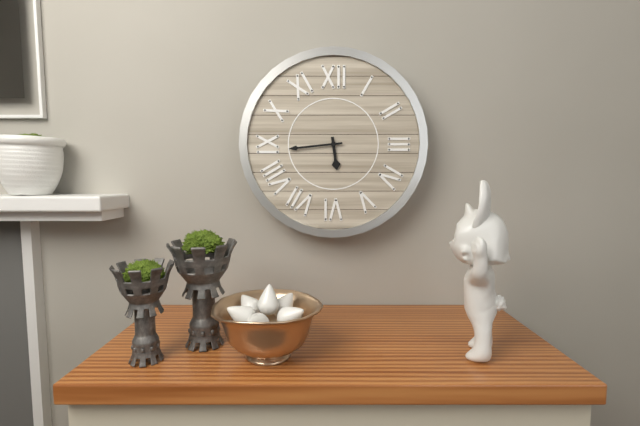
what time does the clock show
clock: 5:44
